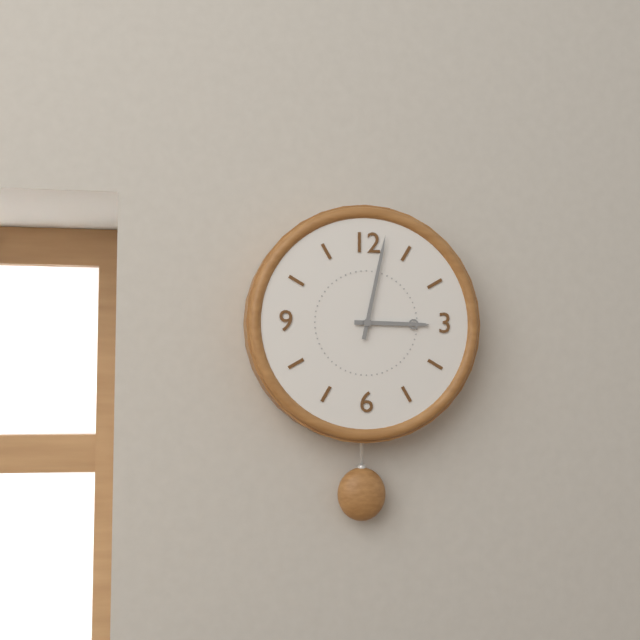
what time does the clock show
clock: 3:02
